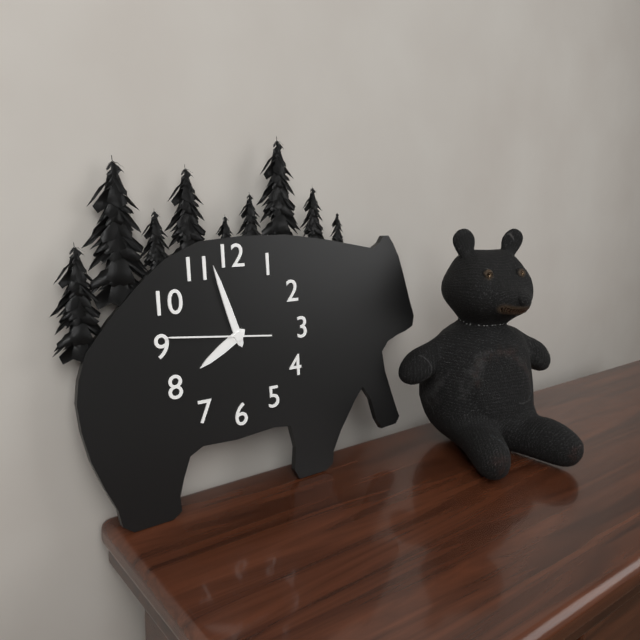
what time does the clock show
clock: 7:57:46
